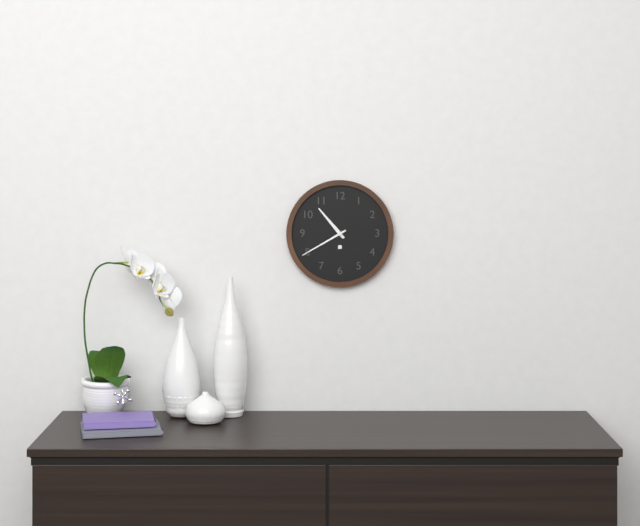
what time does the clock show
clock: 10:40
